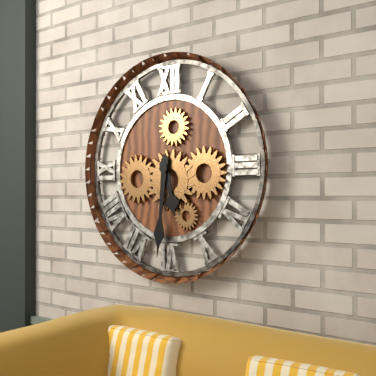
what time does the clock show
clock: 5:31
